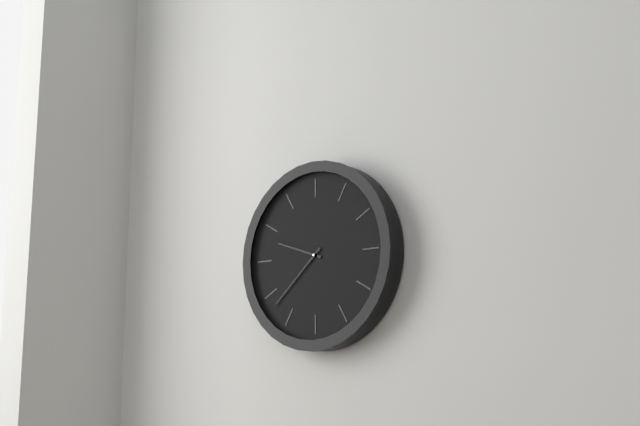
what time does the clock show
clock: 9:38
